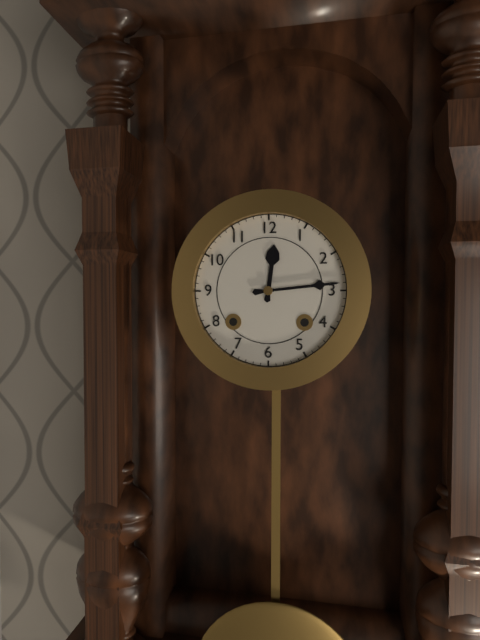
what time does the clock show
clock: 12:14
